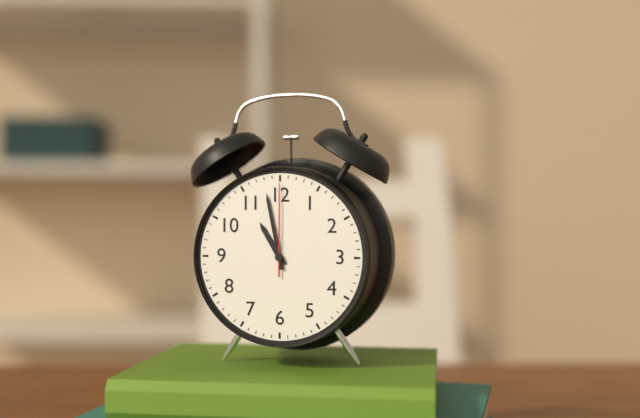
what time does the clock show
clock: 10:58:00
